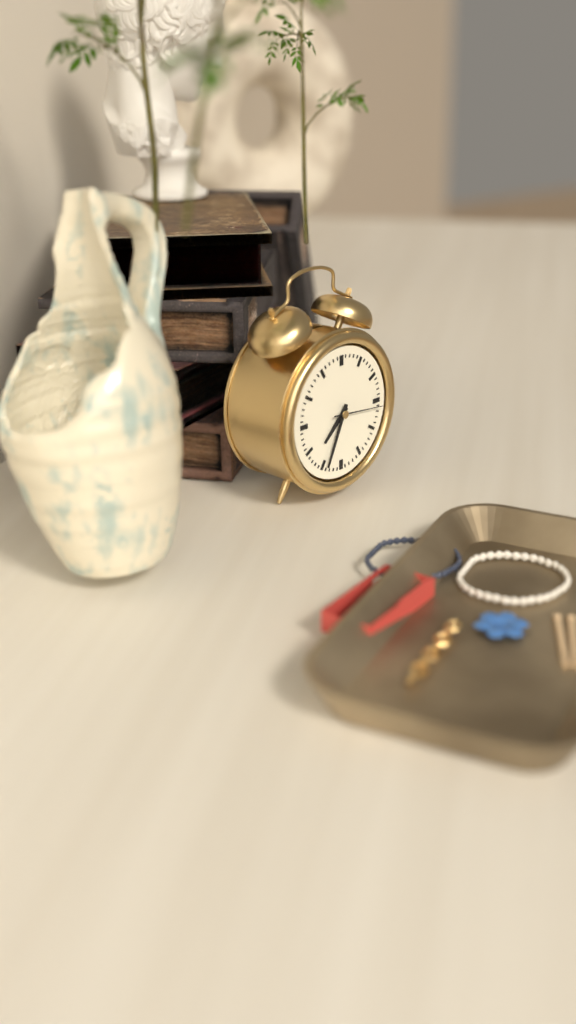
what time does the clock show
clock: 7:34:16
